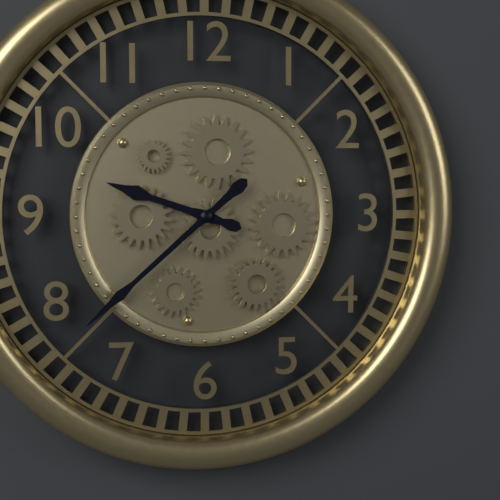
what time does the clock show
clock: 9:38
